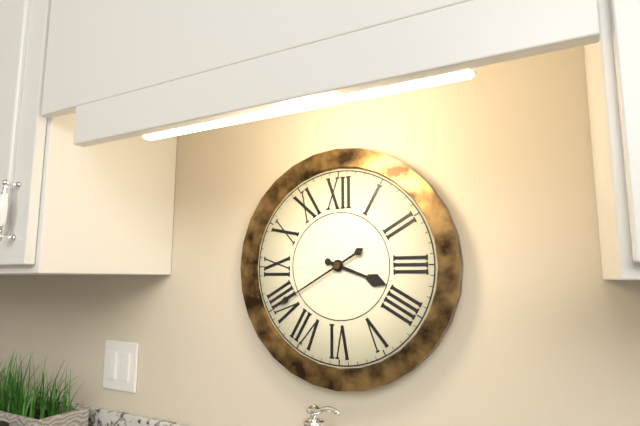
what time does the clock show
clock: 3:40
